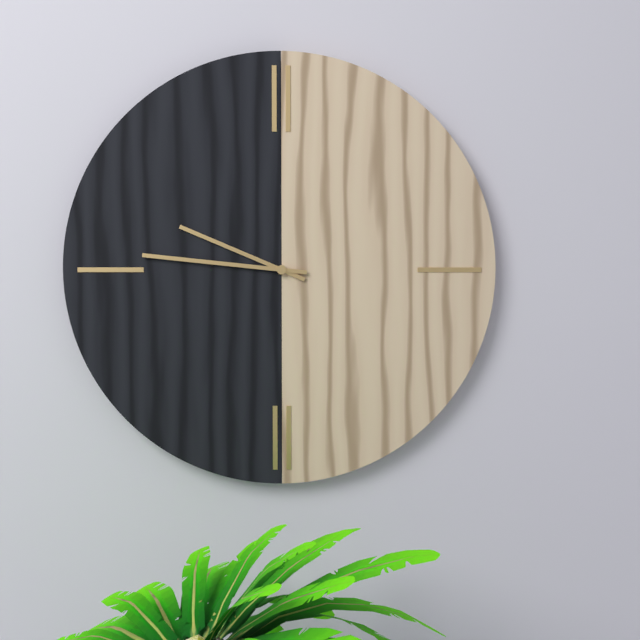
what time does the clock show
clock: 9:46
